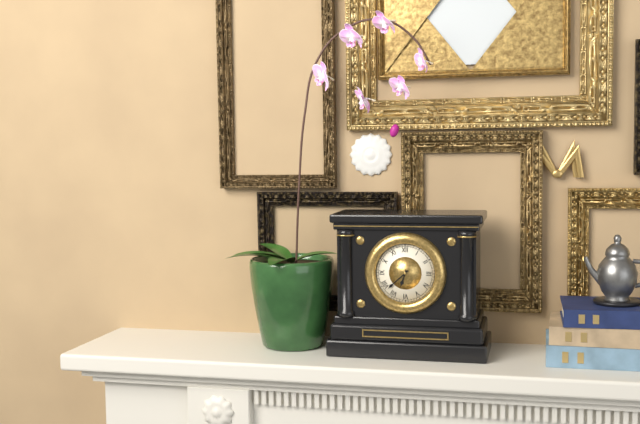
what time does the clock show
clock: 6:38
